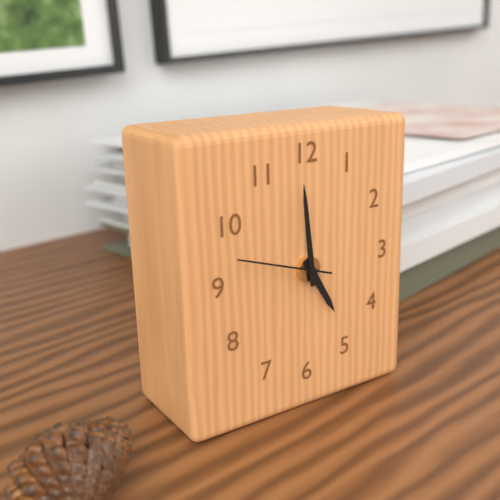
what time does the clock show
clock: 4:59:48
